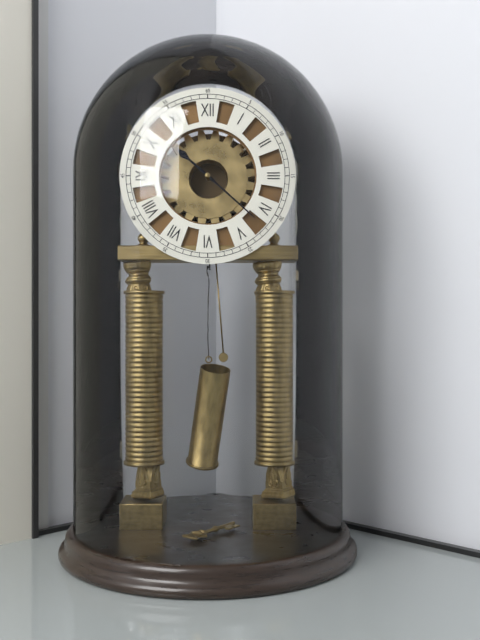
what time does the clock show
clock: 10:22
